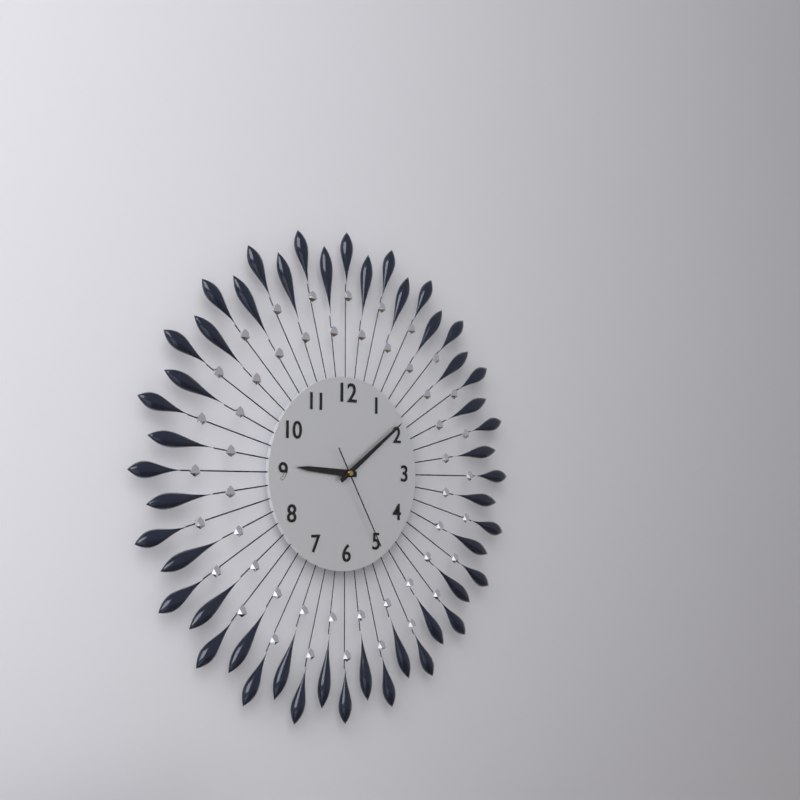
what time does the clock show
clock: 9:09:25
